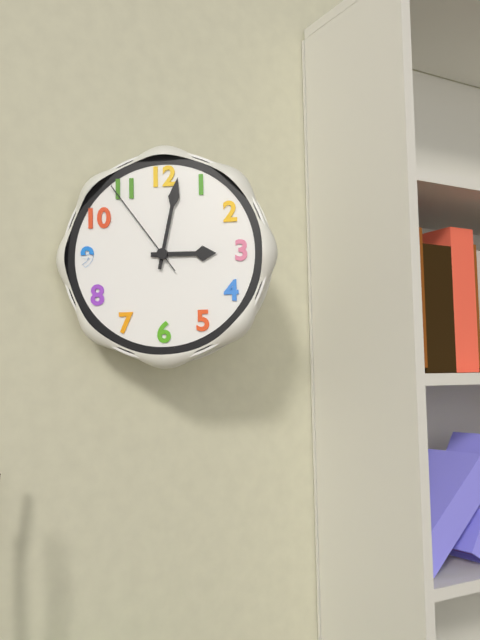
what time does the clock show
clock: 3:02:54
